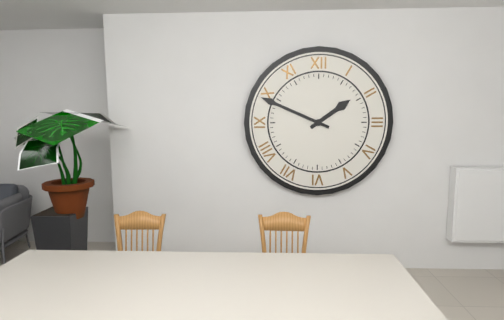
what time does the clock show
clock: 1:49
